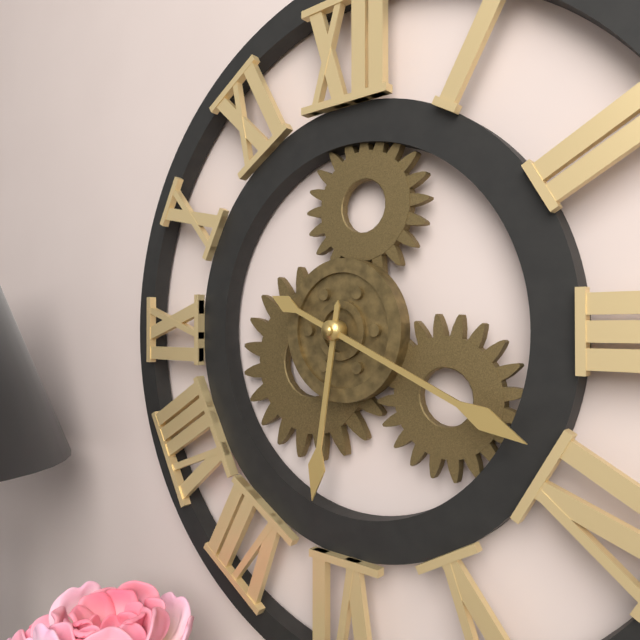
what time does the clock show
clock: 6:19
